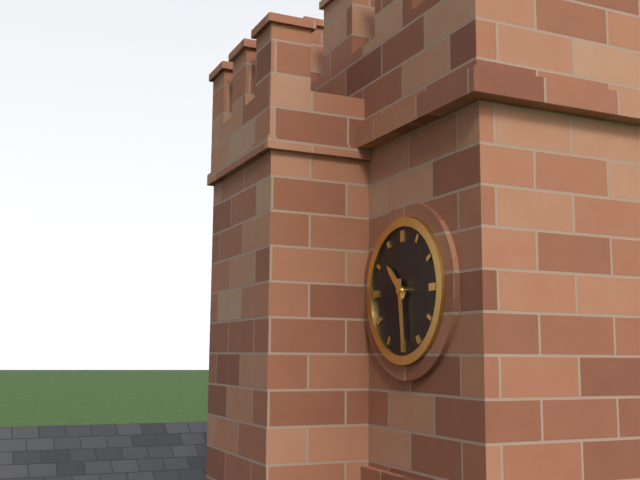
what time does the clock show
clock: 10:29
